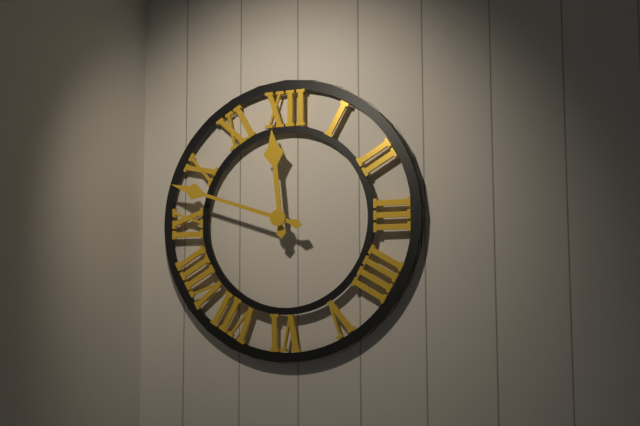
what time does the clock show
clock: 11:48
